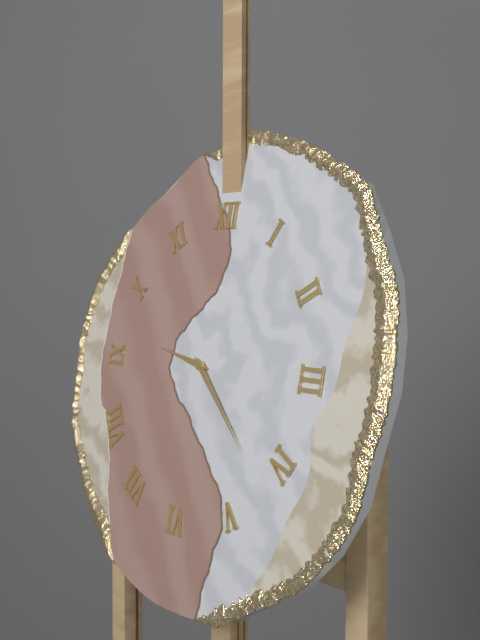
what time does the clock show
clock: 9:22
